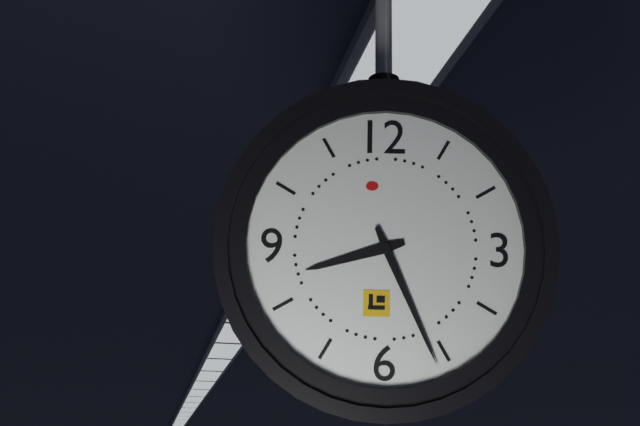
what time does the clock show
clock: 8:26
